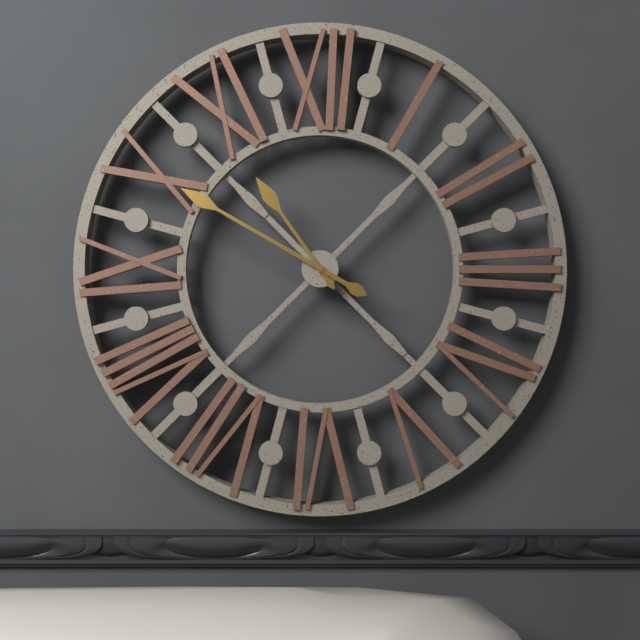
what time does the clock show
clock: 10:50
